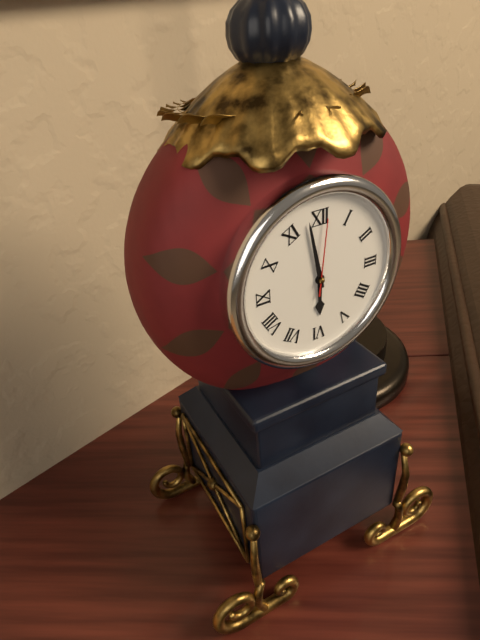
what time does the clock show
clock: 5:58:01
